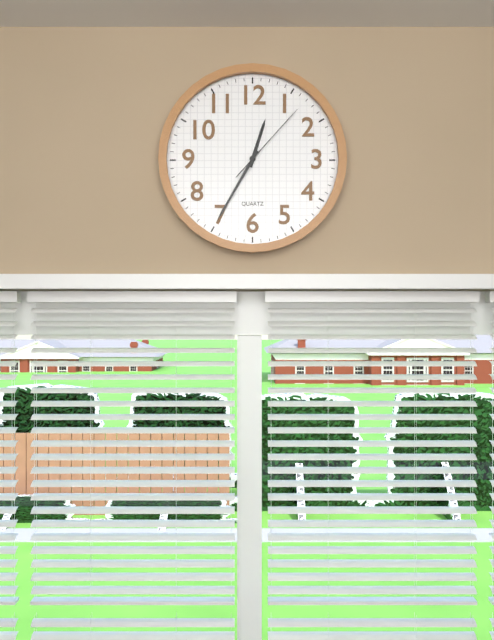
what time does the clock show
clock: 12:35:07
